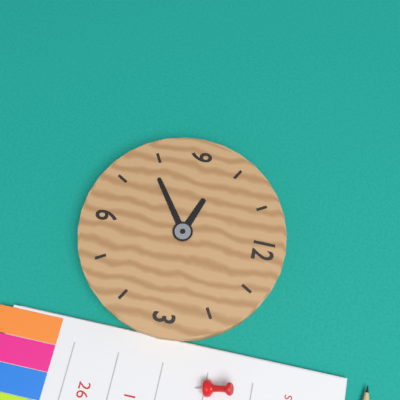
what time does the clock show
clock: 9:39
